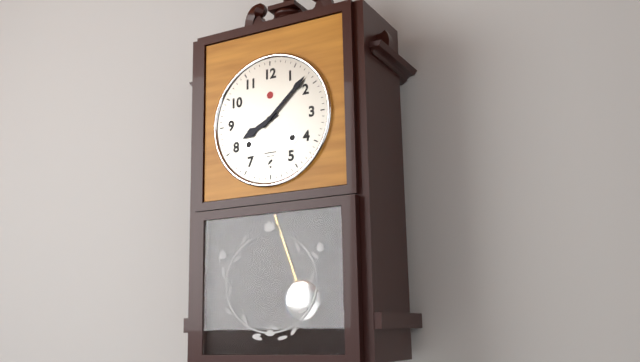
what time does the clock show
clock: 8:08
